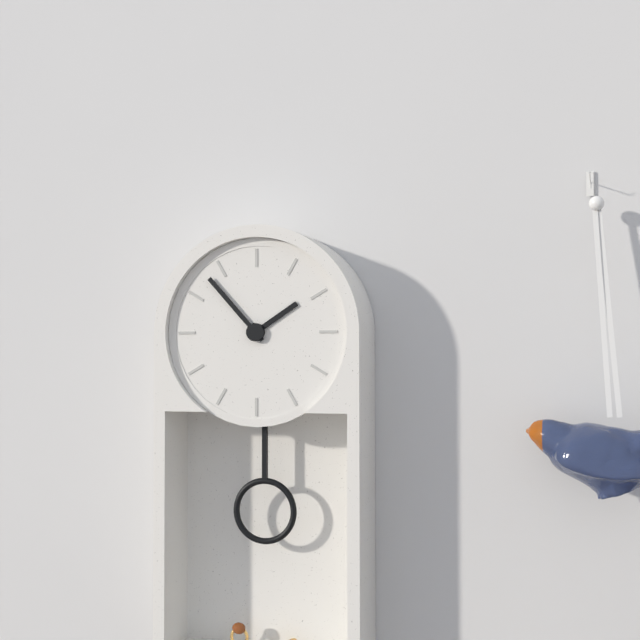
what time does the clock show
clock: 1:53
